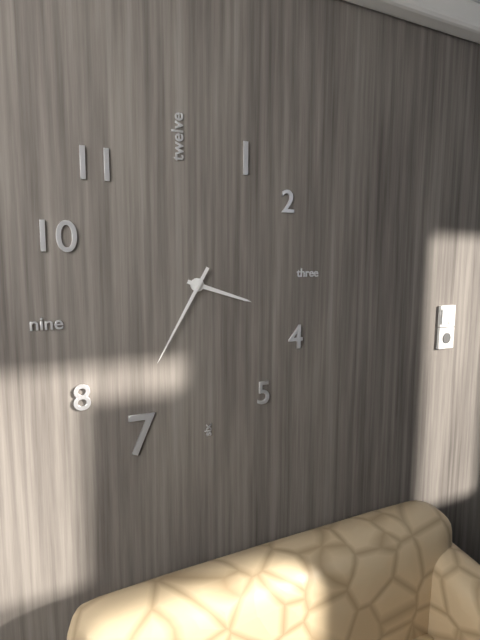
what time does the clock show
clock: 3:35
